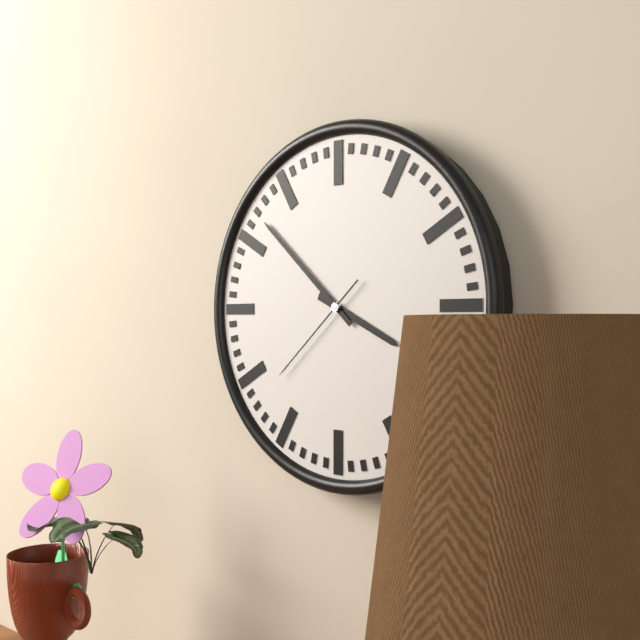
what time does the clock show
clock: 3:52:38
